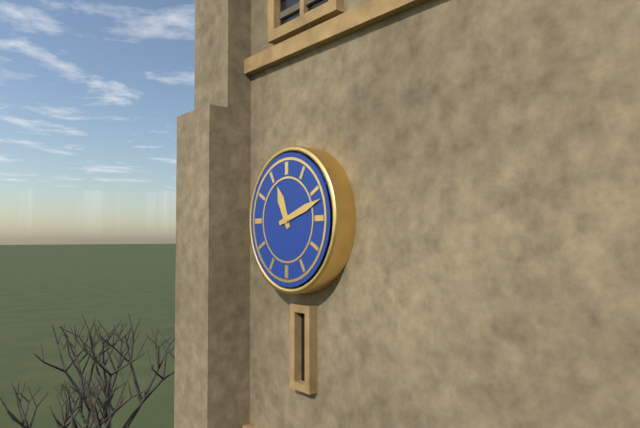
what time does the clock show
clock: 11:12
